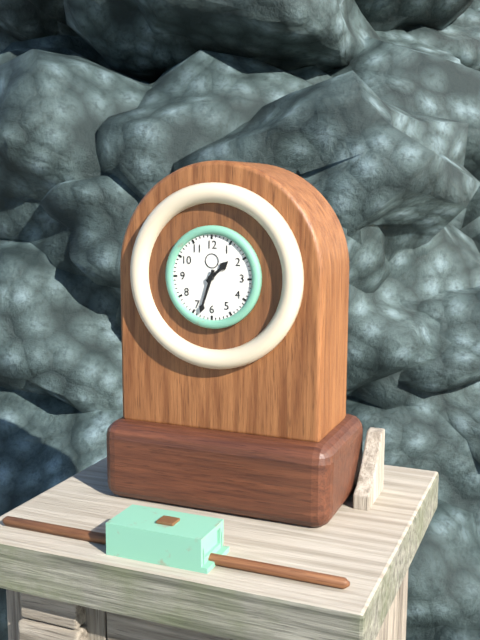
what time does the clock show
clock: 1:33
